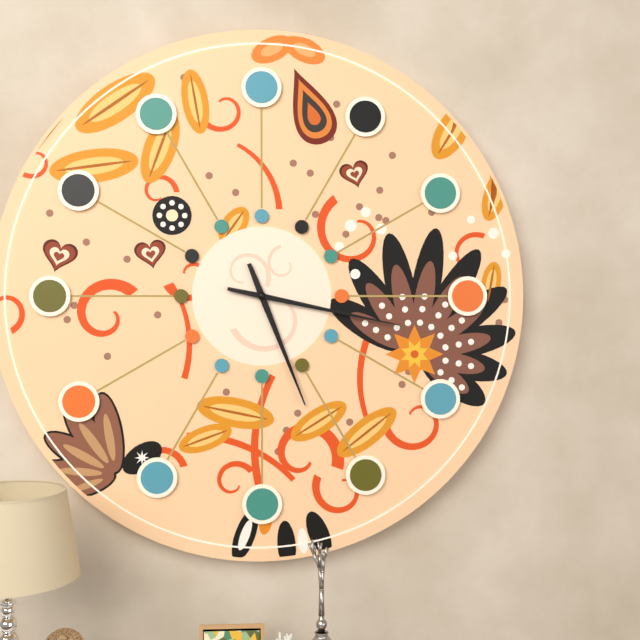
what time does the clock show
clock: 5:17
